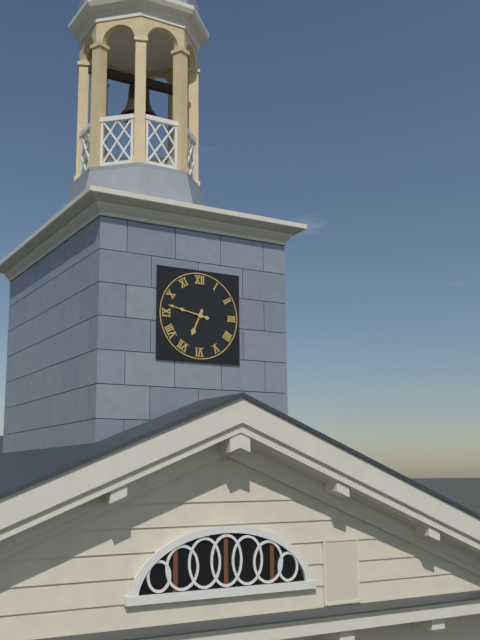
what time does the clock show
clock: 6:47
